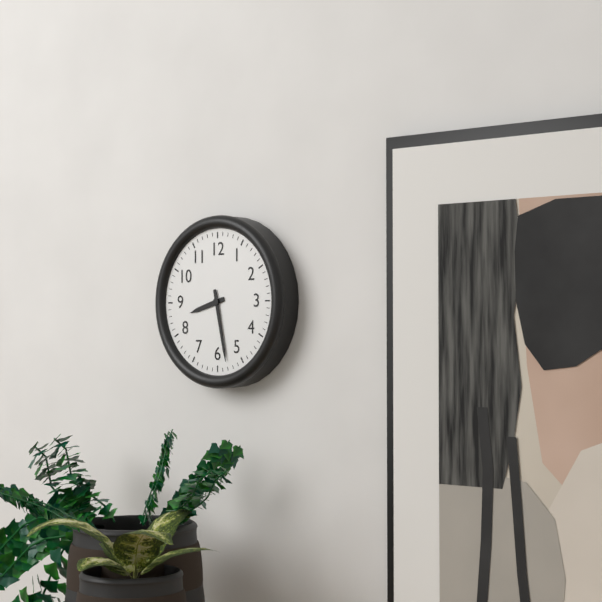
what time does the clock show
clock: 8:28
